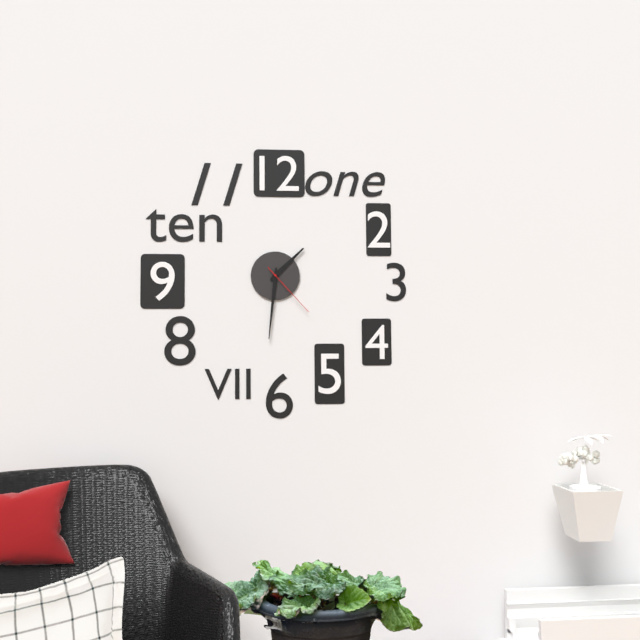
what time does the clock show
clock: 1:31:23
